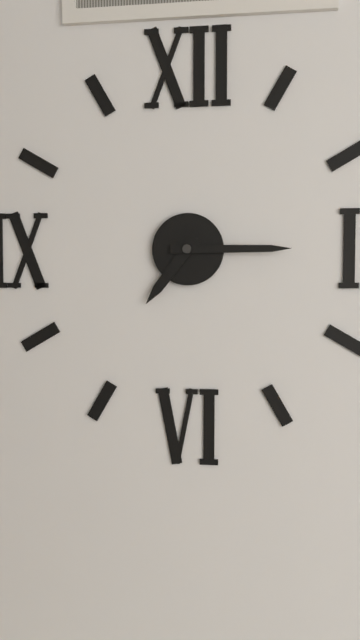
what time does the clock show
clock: 7:15
